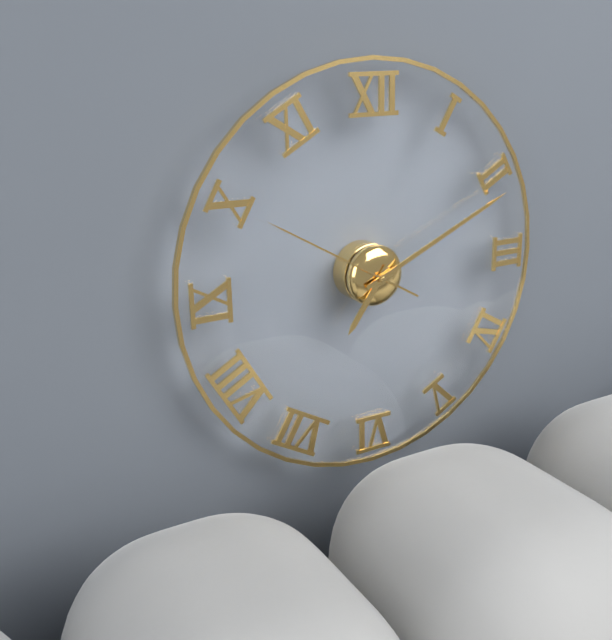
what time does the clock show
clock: 7:11:50
